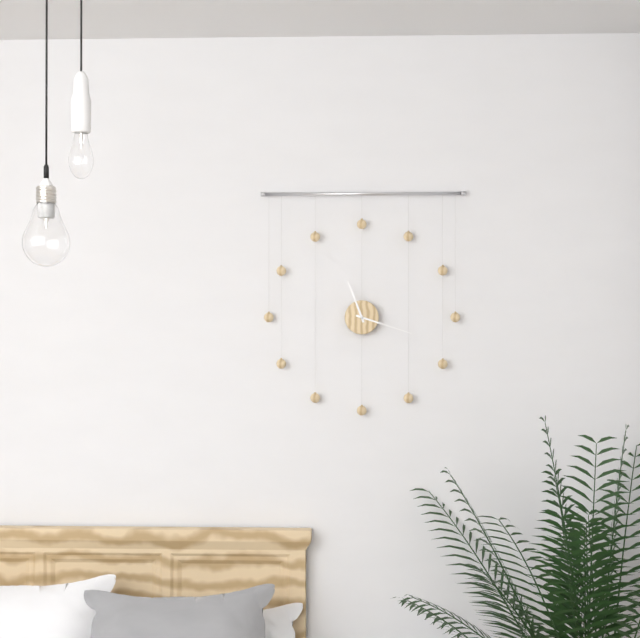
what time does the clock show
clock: 11:18
